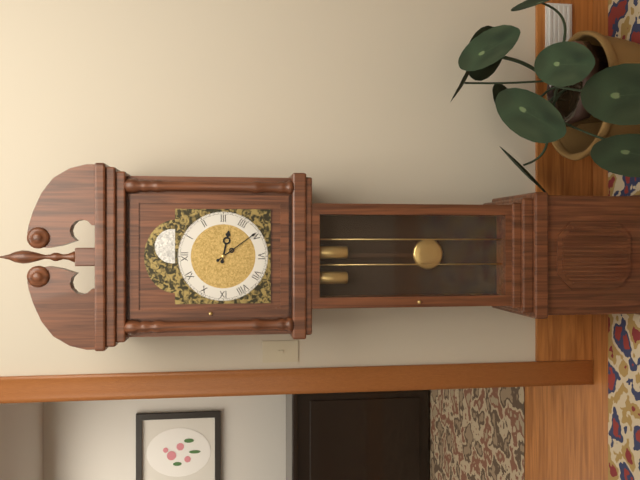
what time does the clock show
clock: 3:24
